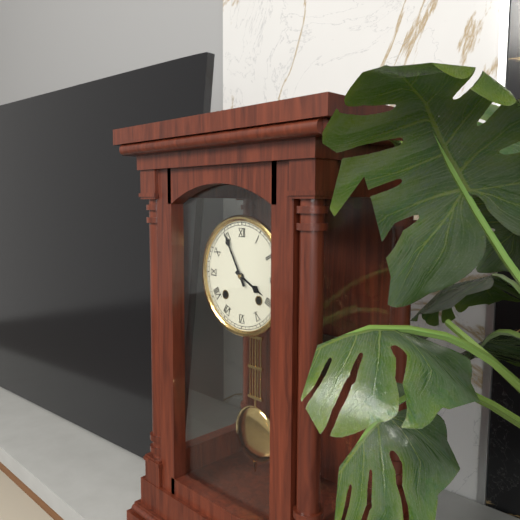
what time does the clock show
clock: 3:55
